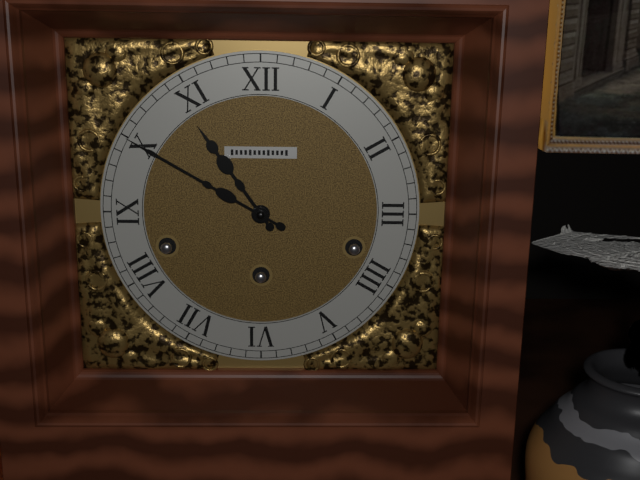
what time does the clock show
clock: 10:50
